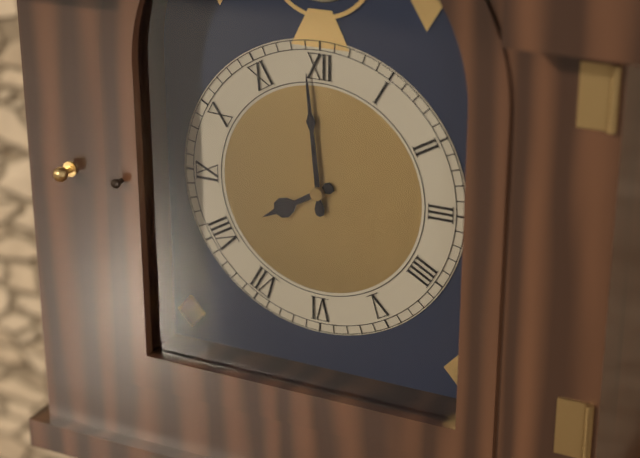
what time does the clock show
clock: 7:59
